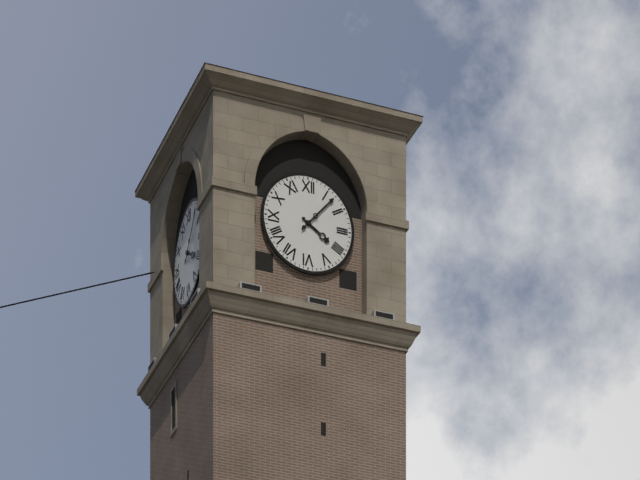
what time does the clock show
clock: 4:07
